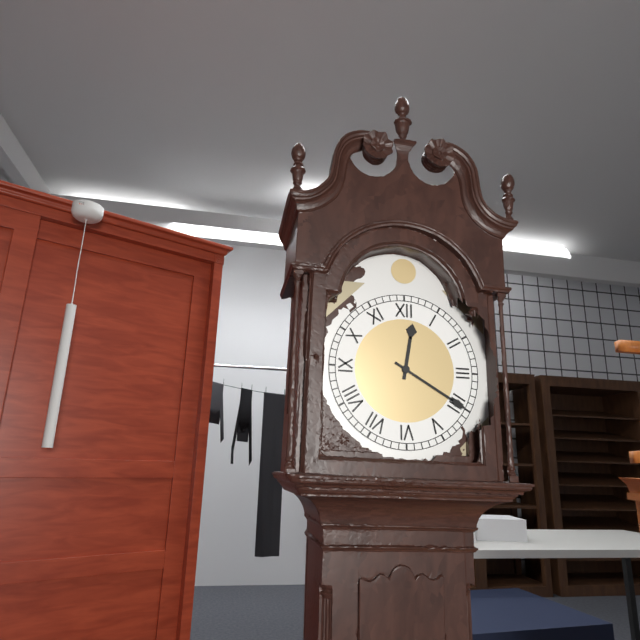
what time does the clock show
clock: 12:20
